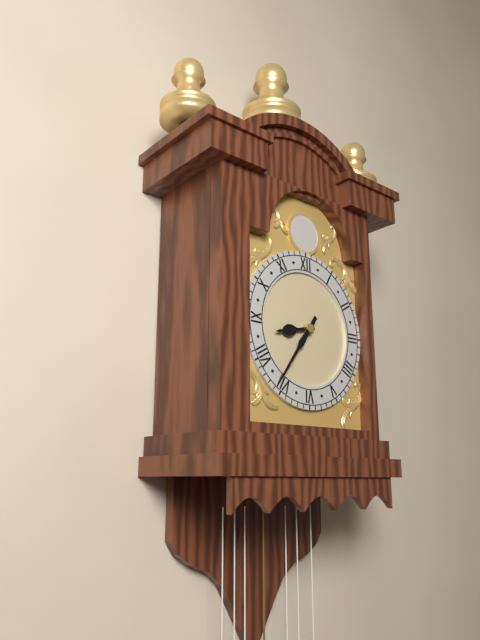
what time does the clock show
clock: 8:36
